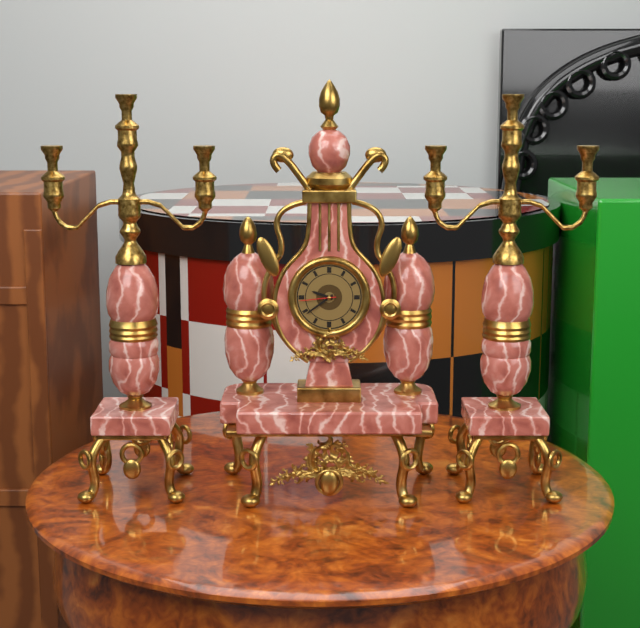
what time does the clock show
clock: 9:39
